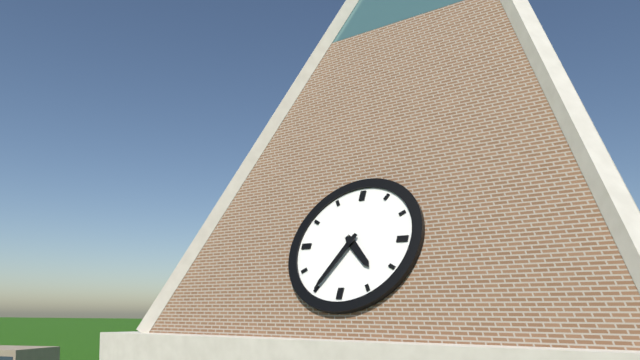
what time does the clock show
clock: 4:35
